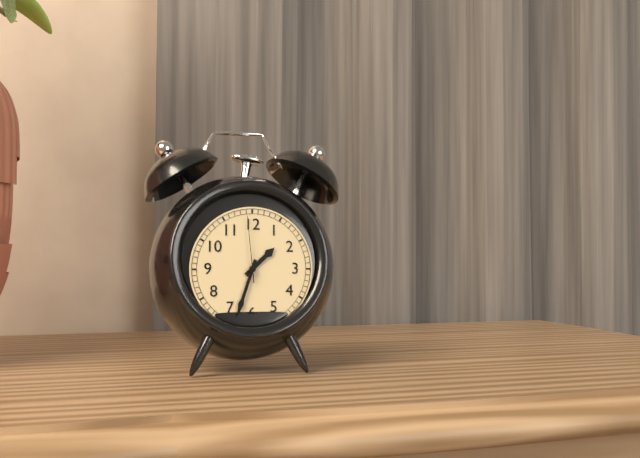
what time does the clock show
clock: 1:33:59
